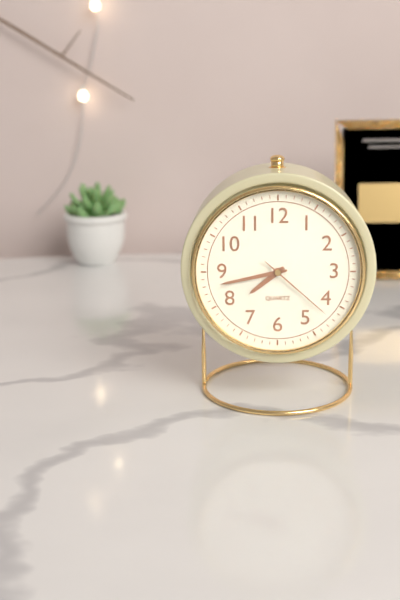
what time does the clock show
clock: 7:43:22
